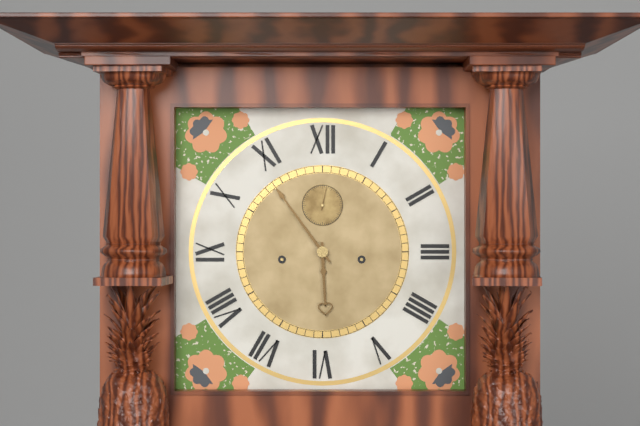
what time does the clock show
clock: 5:54
